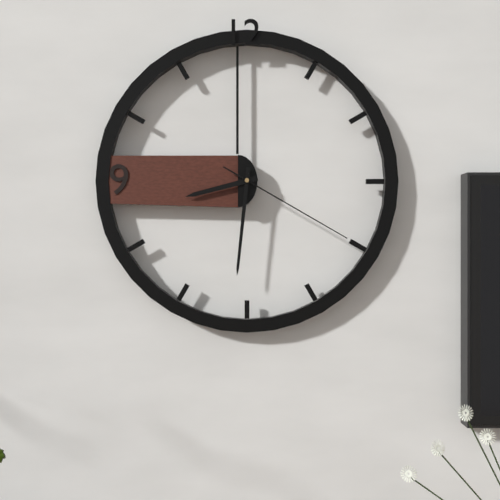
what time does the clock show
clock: 8:31:20
